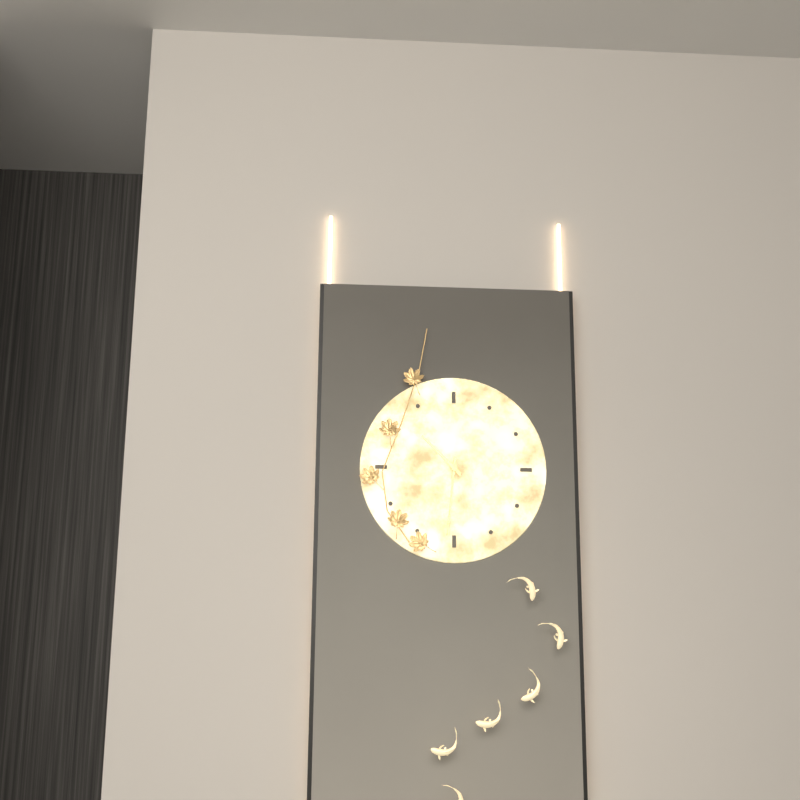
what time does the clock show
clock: 10:31
